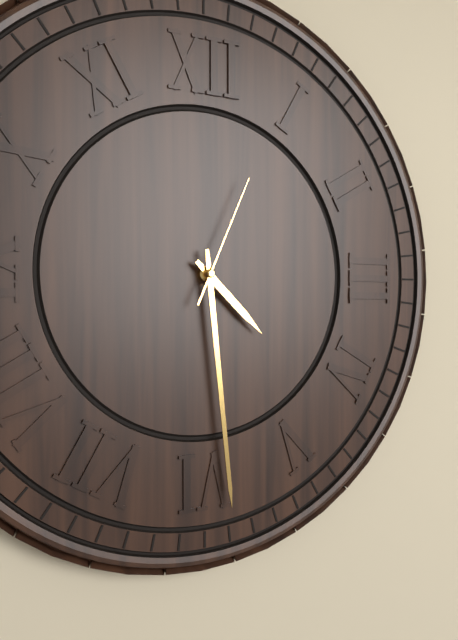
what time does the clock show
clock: 4:29:04
